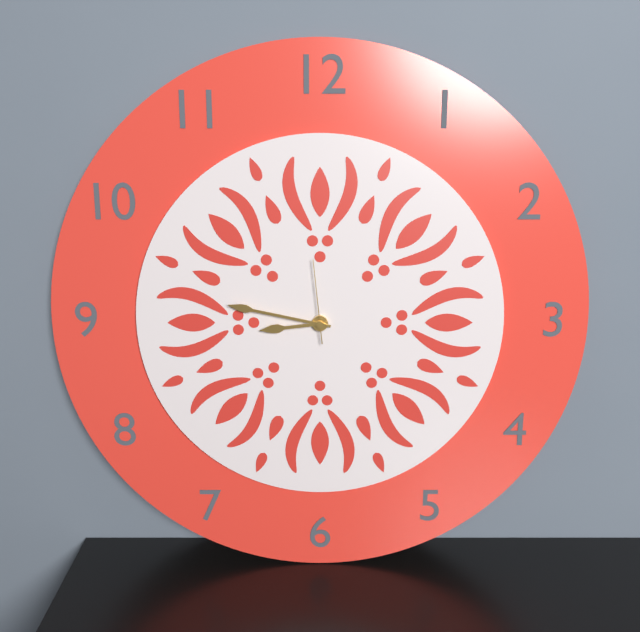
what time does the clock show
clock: 8:47:59
